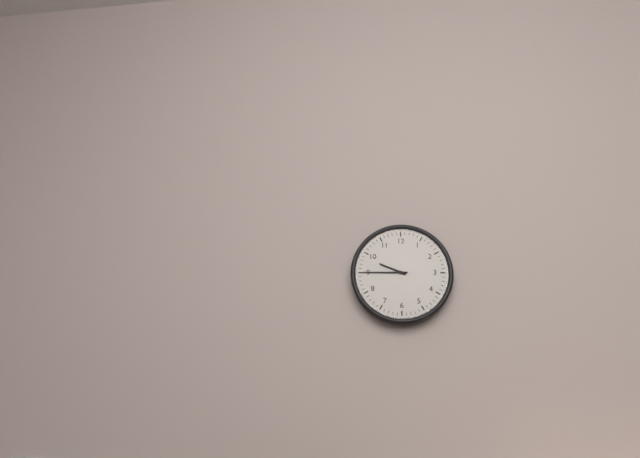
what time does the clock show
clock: 9:45
